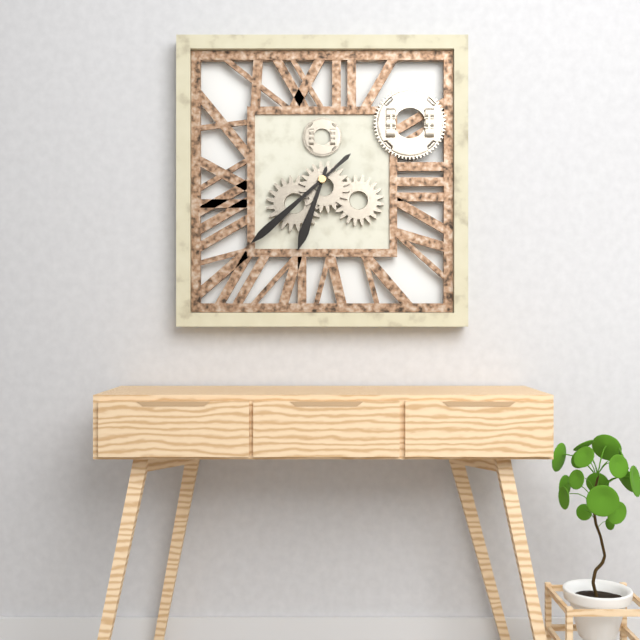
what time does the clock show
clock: 6:38
